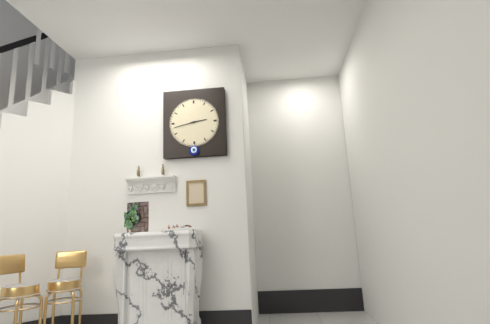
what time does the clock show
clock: 2:43
